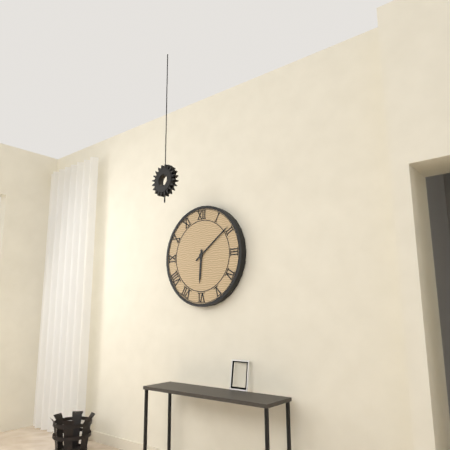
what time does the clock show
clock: 6:09
